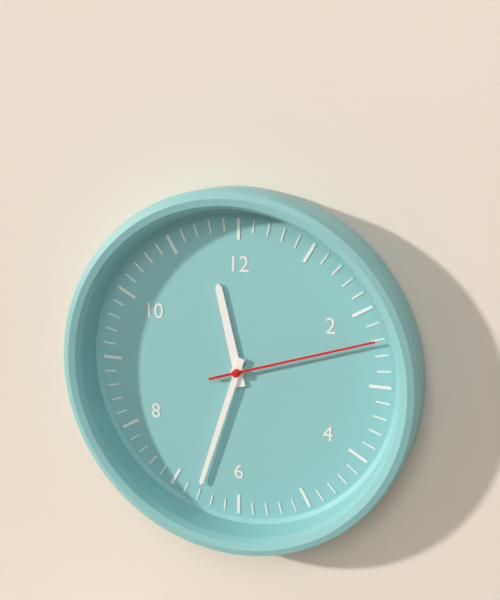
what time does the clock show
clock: 11:33:12
